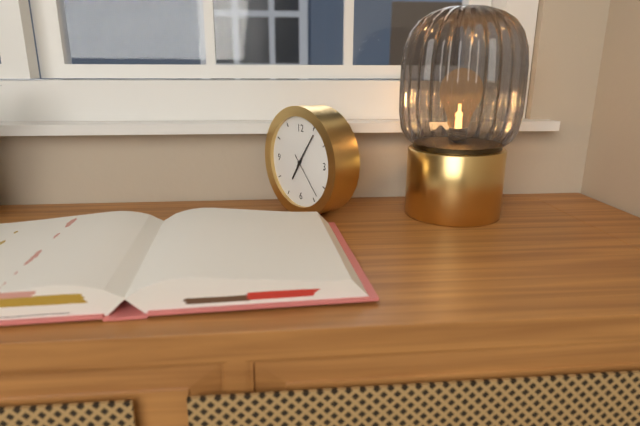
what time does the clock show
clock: 7:06
